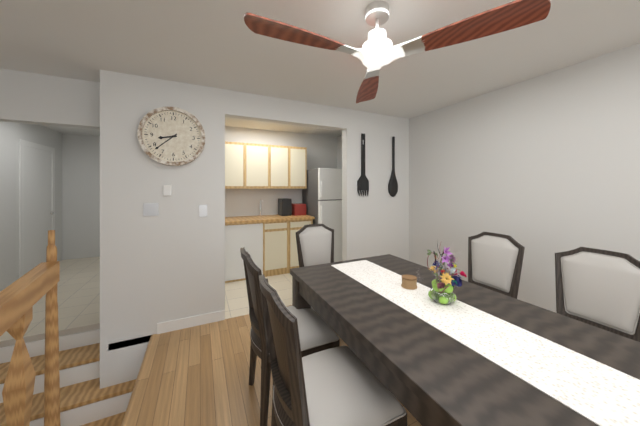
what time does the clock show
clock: 8:38
